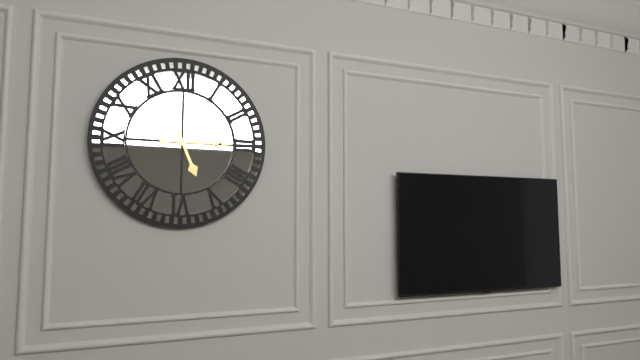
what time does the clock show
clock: 5:15
